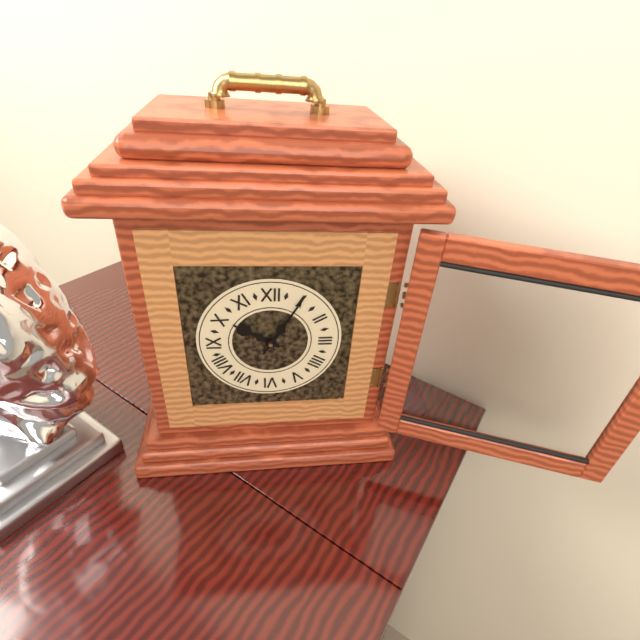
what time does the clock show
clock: 10:05
